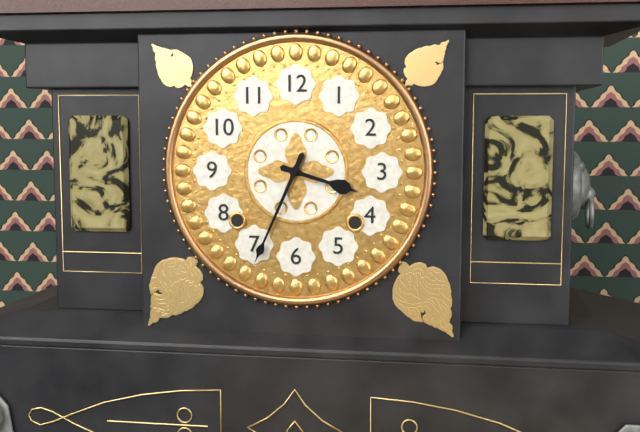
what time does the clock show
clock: 3:34
